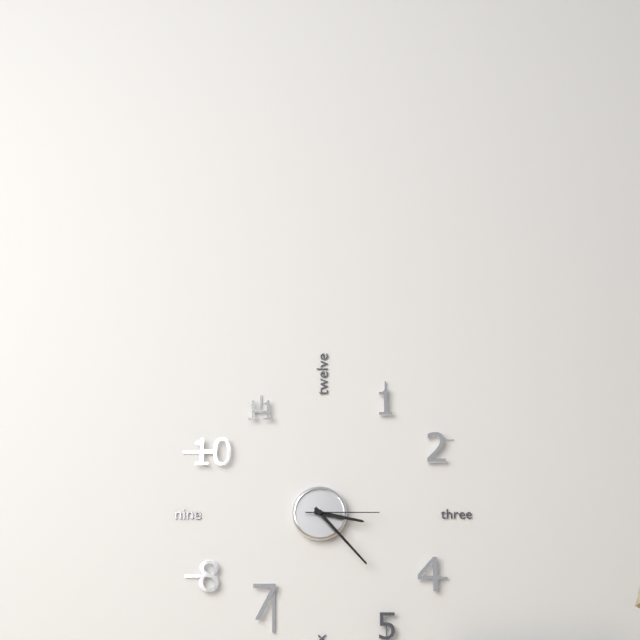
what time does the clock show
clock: 3:23:15
